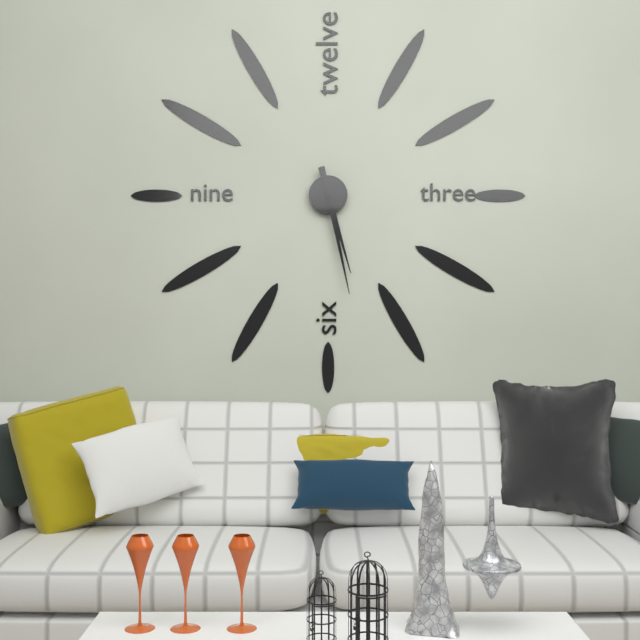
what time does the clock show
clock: 5:28
